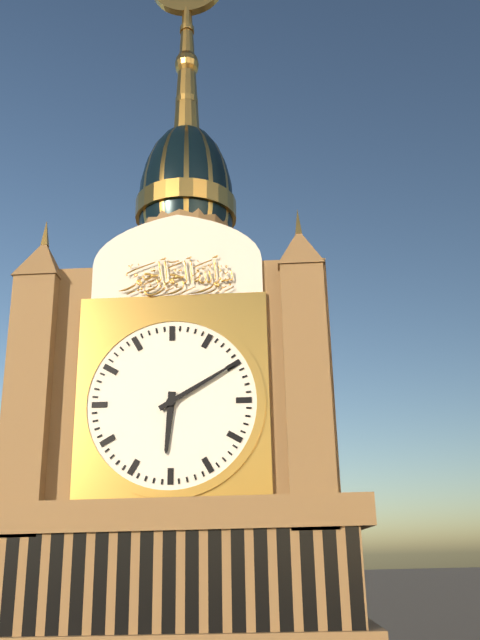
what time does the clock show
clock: 6:10
